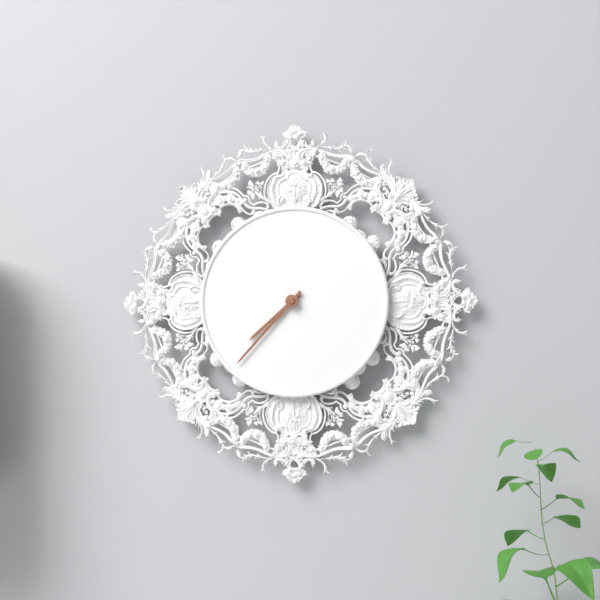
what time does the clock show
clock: 7:37
